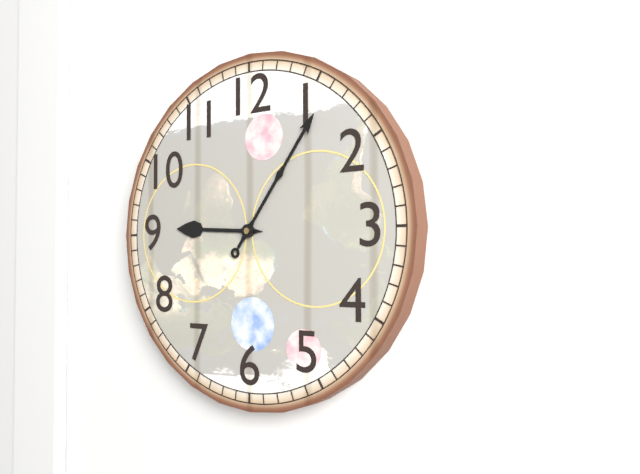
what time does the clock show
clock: 9:06
